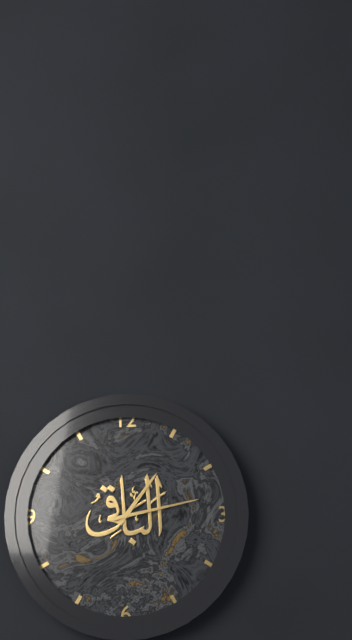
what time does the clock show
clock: 1:13
